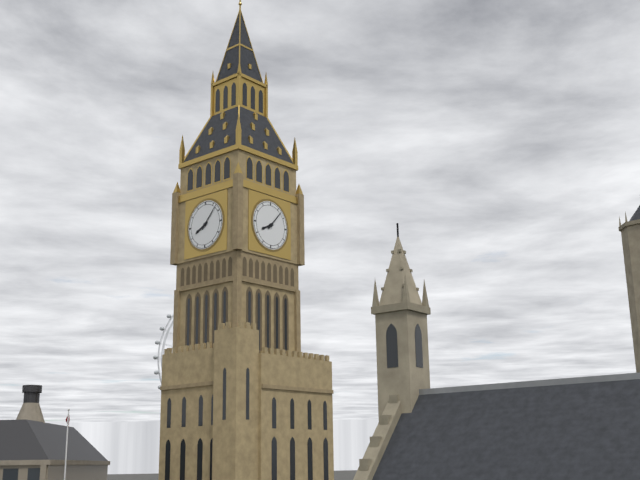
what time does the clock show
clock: 8:07
